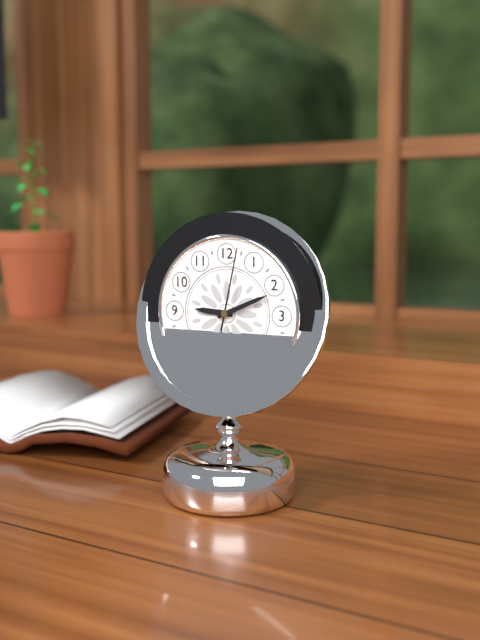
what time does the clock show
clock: 9:11:02
